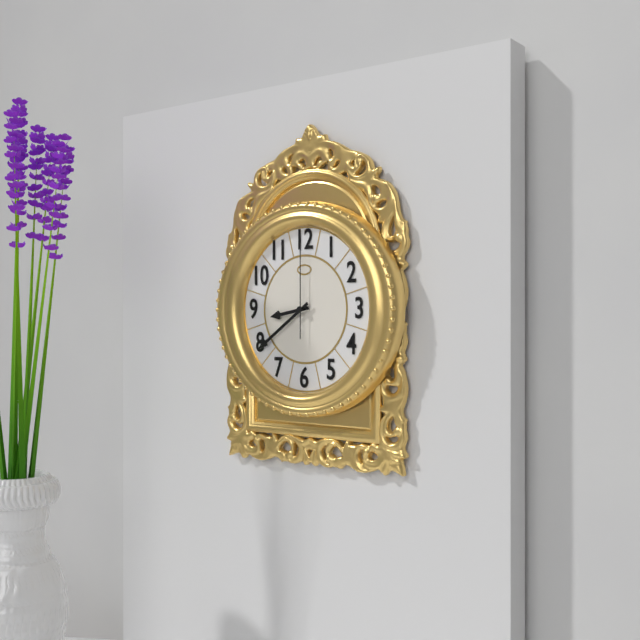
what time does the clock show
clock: 8:39:00
